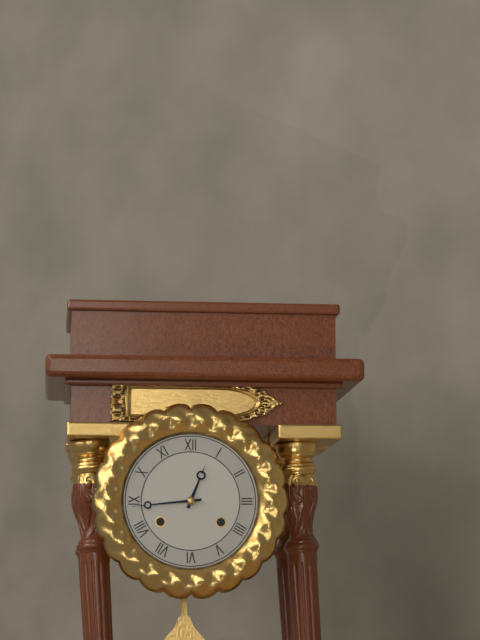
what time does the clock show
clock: 12:44
